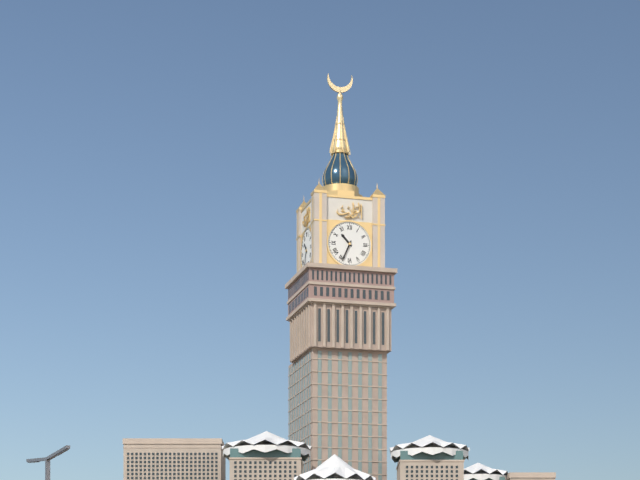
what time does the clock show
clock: 10:34
